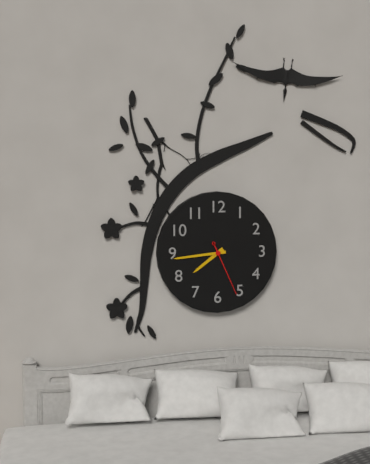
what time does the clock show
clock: 7:44:26
